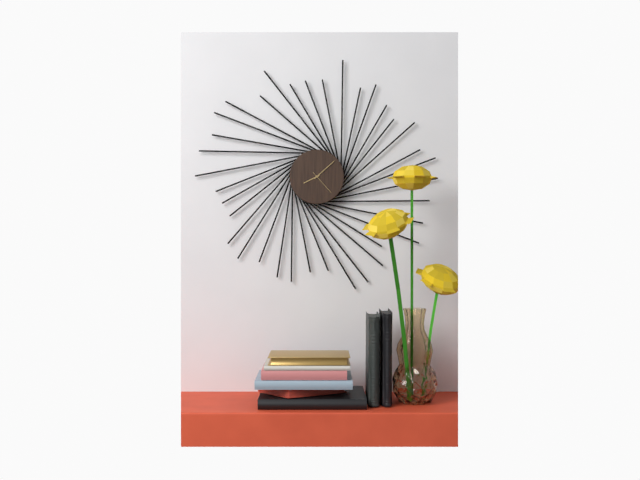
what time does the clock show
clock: 8:08
